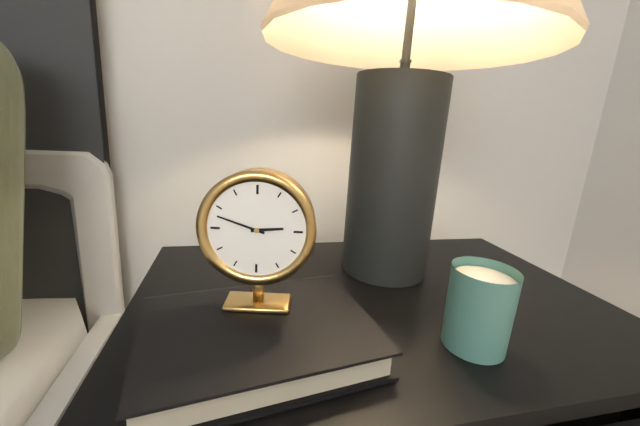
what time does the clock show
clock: 2:48
